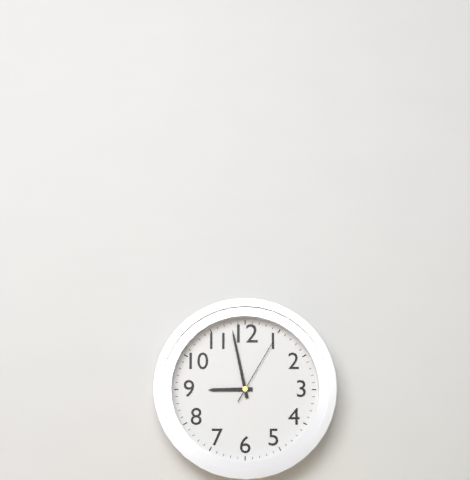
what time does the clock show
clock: 8:58:05
